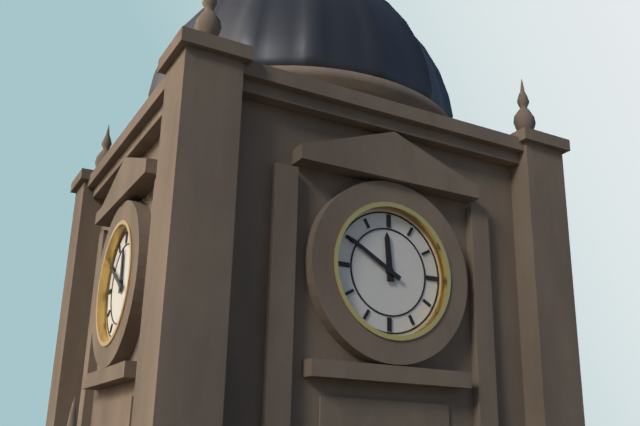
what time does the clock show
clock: 11:50
